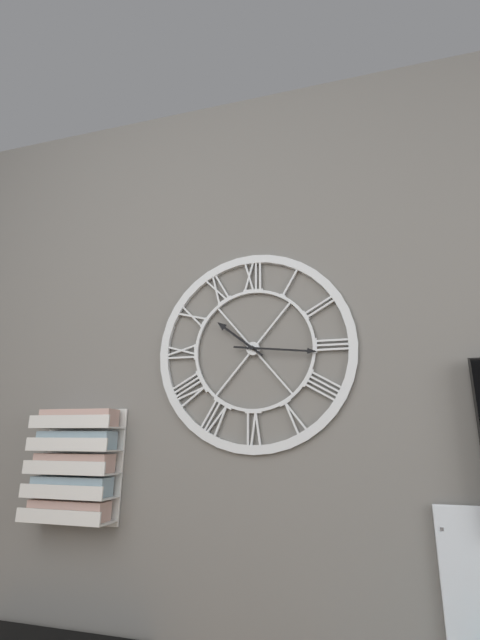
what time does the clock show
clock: 10:16
